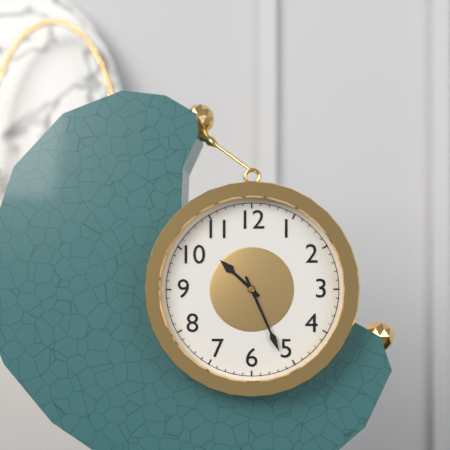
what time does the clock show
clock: 10:26
